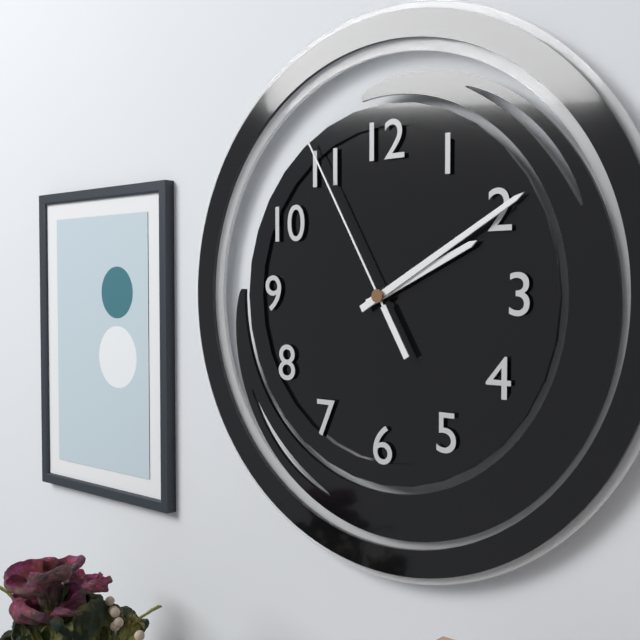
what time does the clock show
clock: 2:10:55
